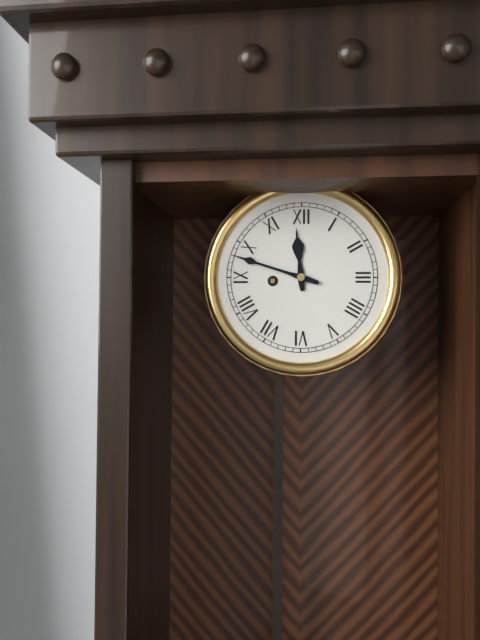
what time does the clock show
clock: 11:48
